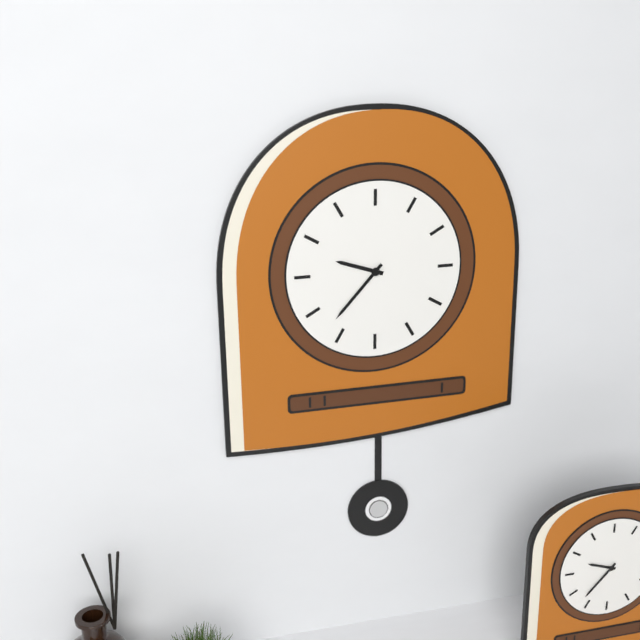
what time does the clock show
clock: 9:37
